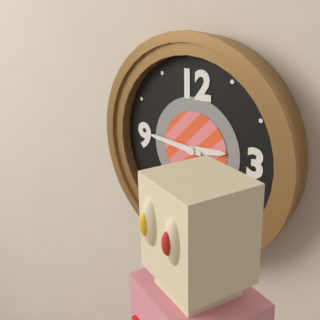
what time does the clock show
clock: 2:46
